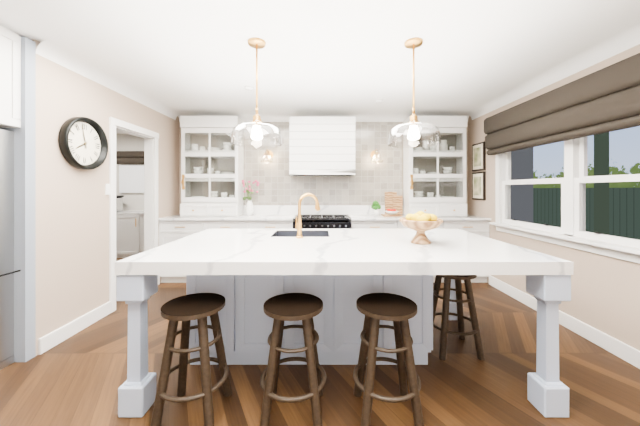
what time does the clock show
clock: 7:58
